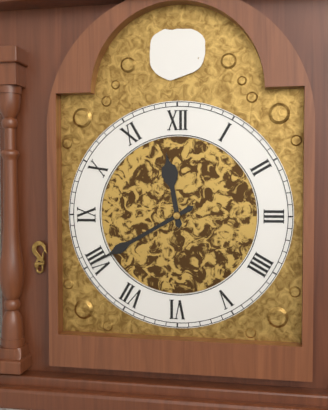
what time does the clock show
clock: 11:40
